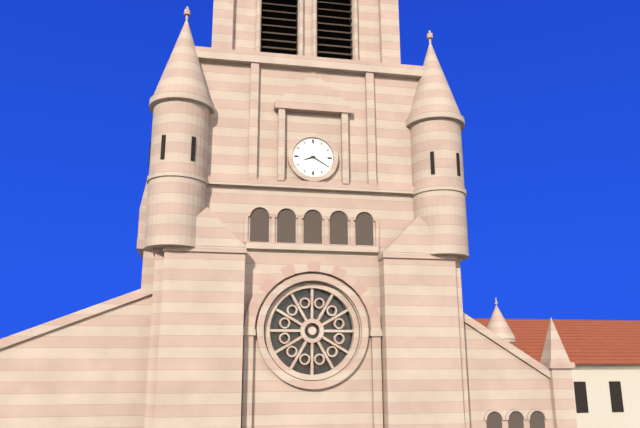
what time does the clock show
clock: 8:20
